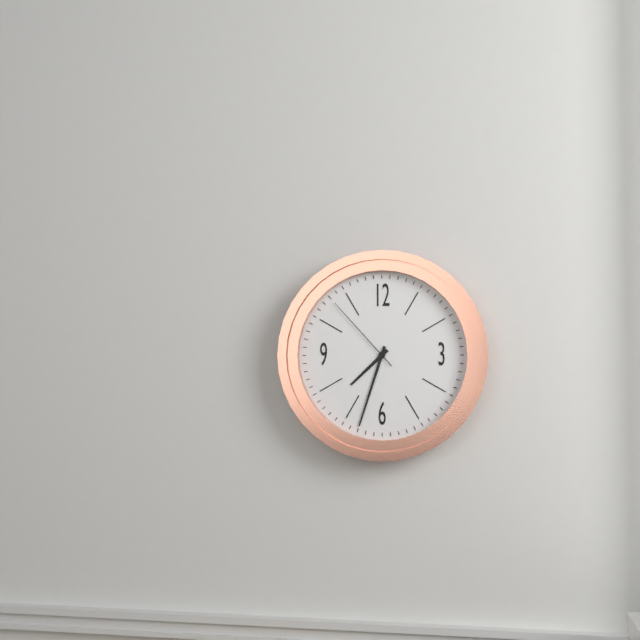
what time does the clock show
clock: 7:33:53
